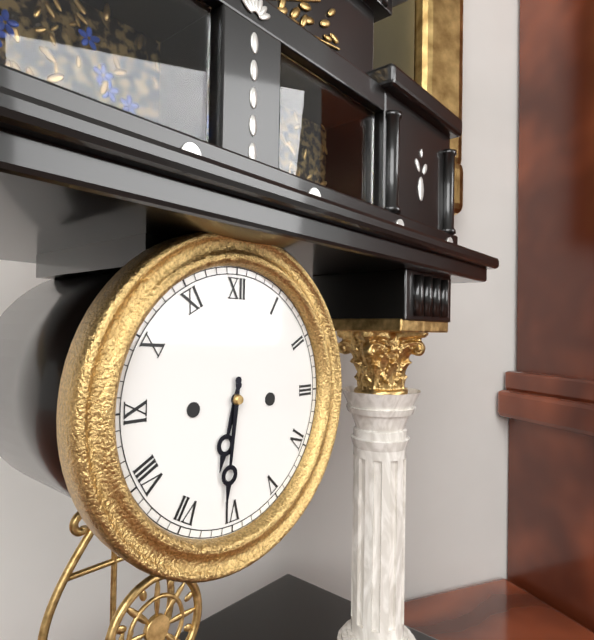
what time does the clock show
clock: 6:31
